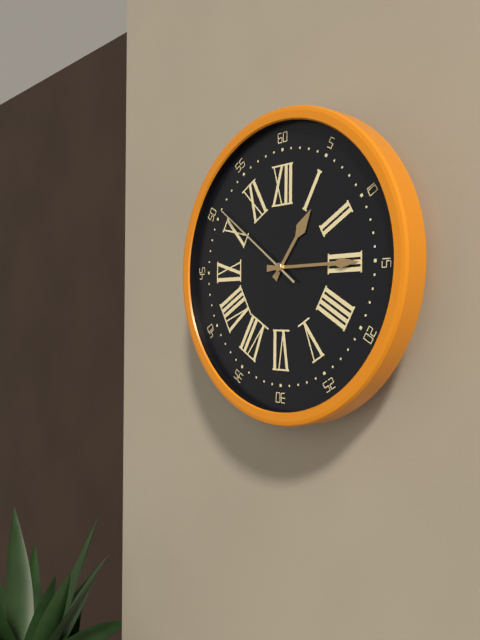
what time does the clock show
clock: 1:15:51
